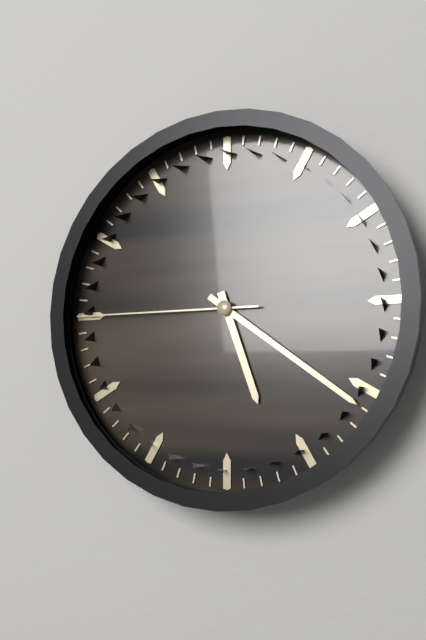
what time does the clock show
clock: 5:21:45
